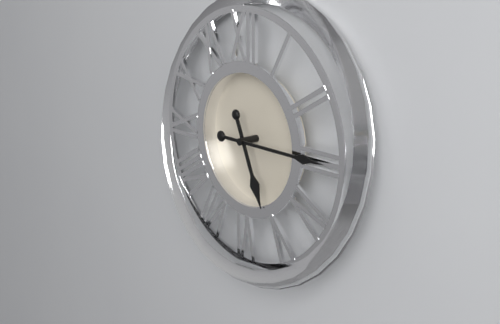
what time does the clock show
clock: 5:15
